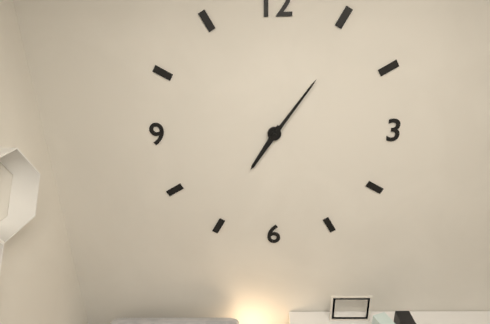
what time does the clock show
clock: 7:06
